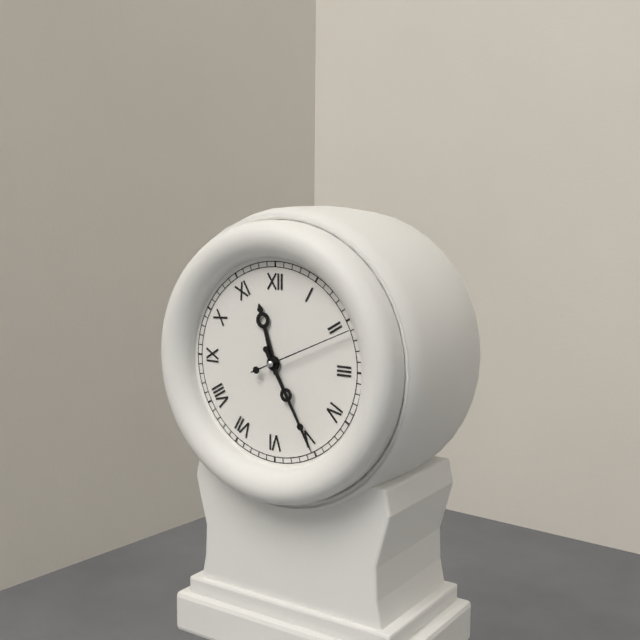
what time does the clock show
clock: 11:25:11
